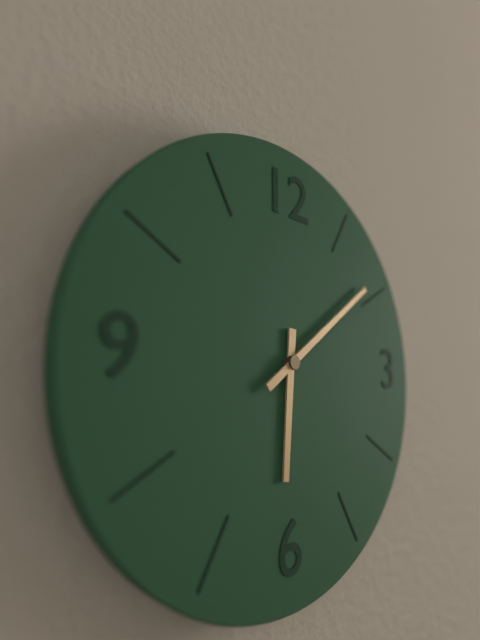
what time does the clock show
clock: 6:09
